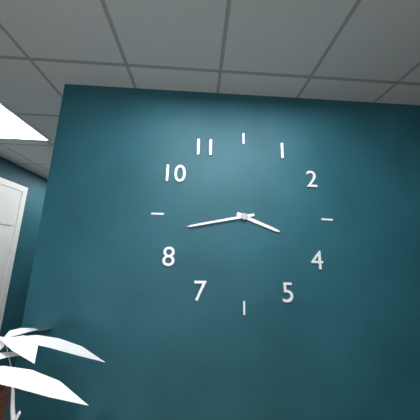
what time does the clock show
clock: 3:43
